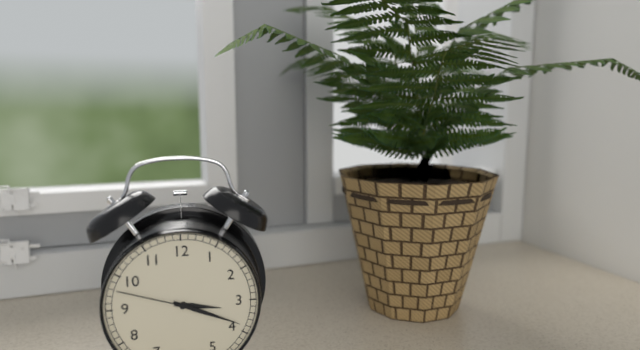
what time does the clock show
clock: 3:19:48
